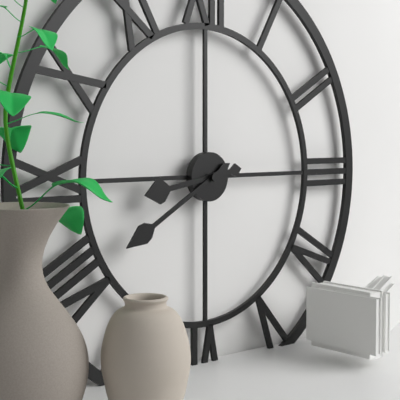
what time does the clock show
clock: 8:40
